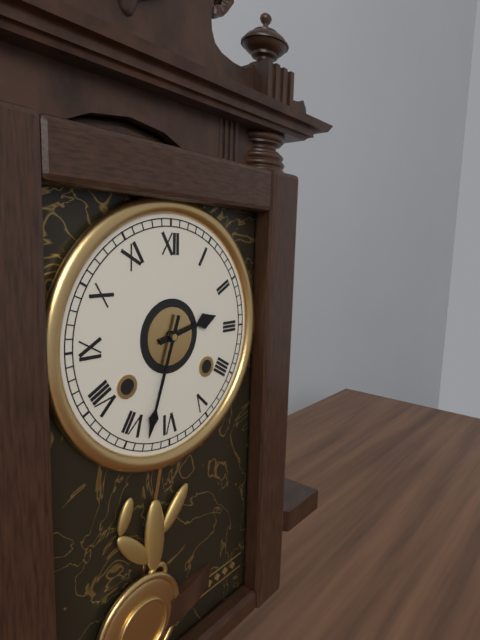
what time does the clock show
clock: 2:33
